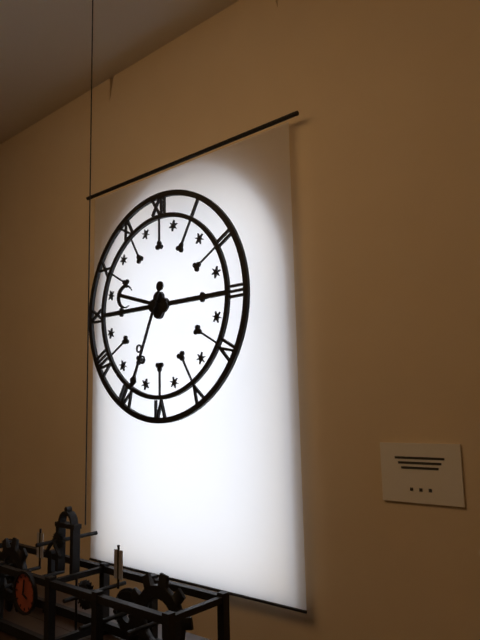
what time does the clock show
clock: 9:34
